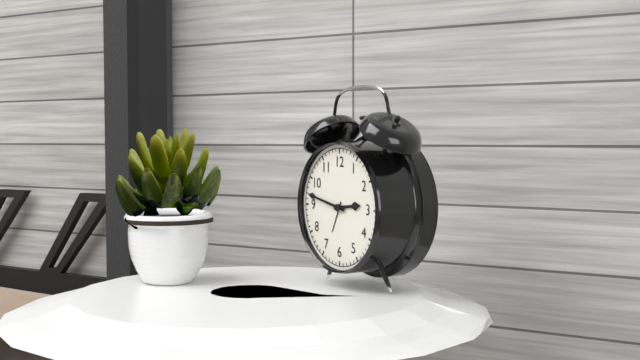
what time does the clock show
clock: 2:47
